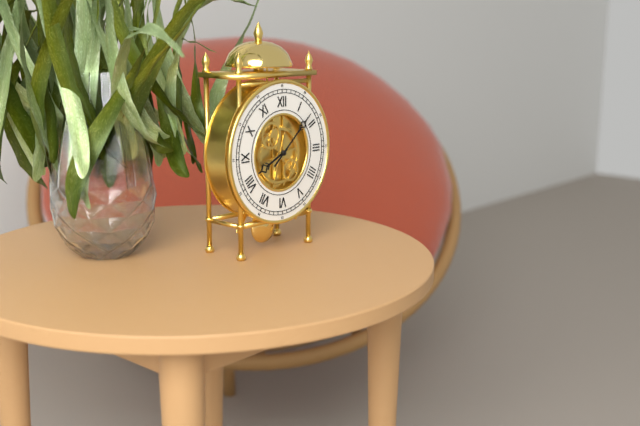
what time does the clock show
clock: 8:08
